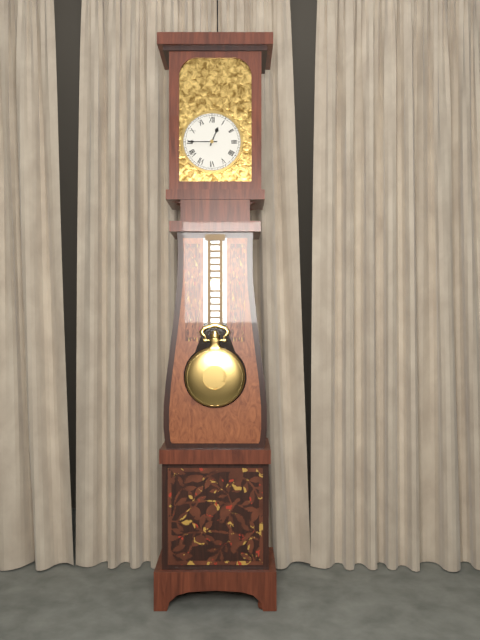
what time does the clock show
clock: 12:45
